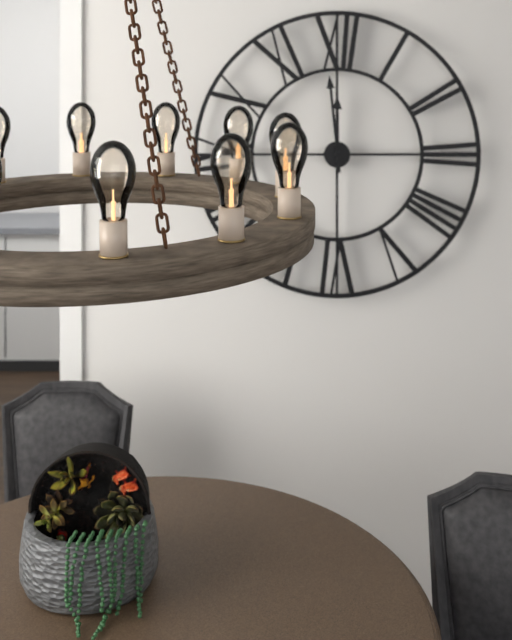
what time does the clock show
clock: 11:59
